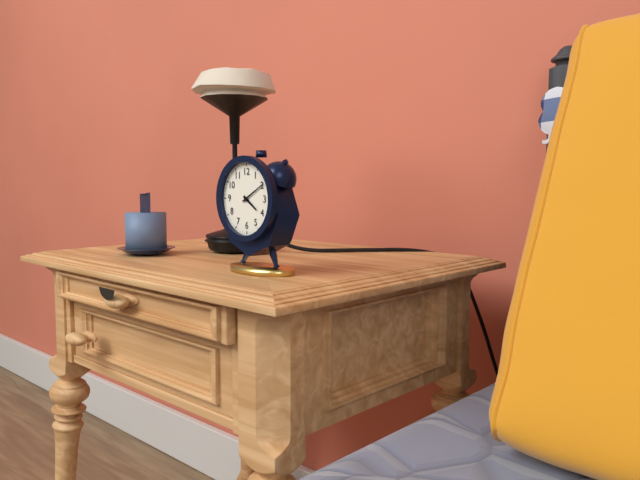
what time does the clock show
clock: 4:10
